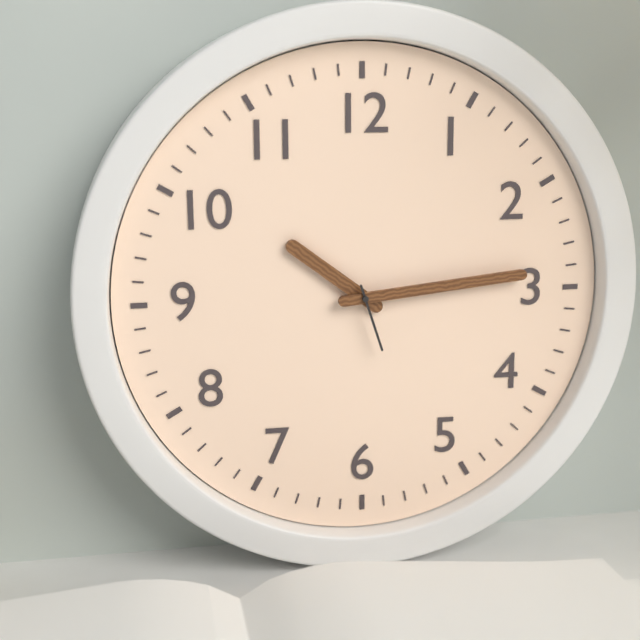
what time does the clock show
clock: 10:14:27
